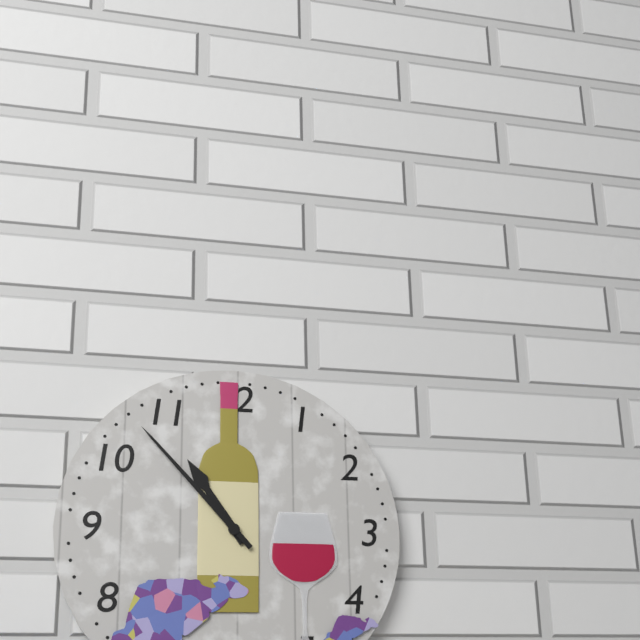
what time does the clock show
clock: 10:53
